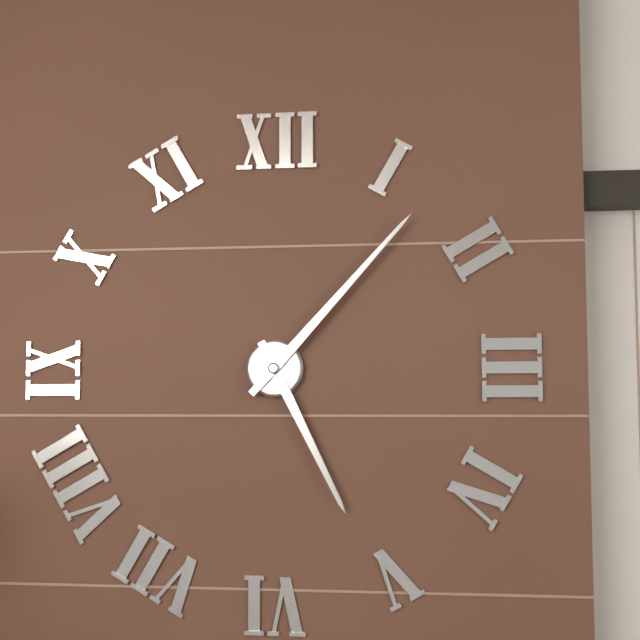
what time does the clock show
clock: 5:07
